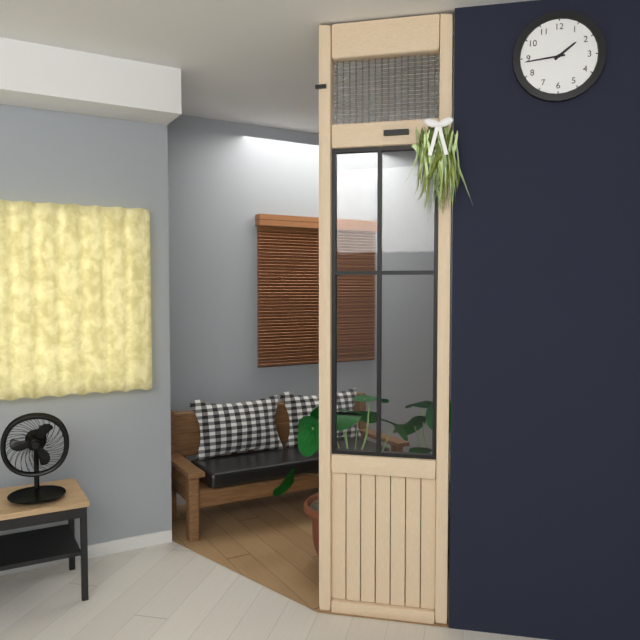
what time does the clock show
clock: 1:44
